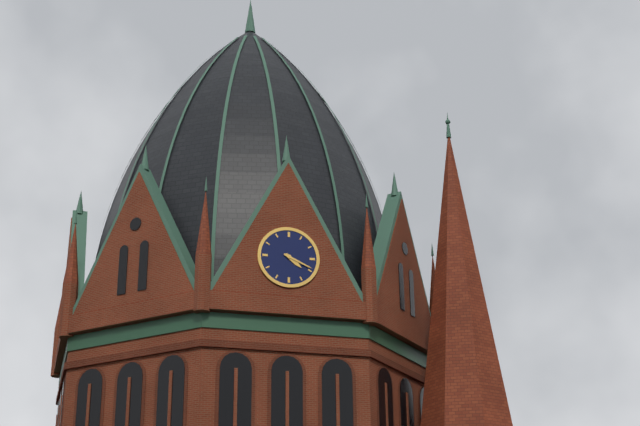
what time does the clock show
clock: 4:19
